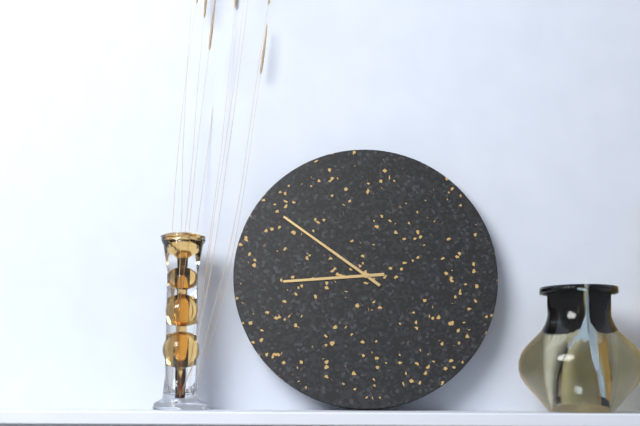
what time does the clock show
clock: 8:51
